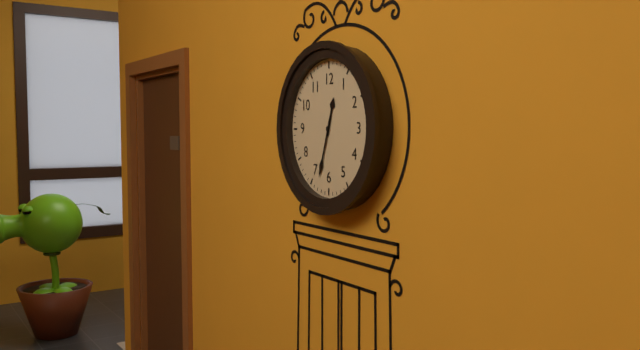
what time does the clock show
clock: 12:33
